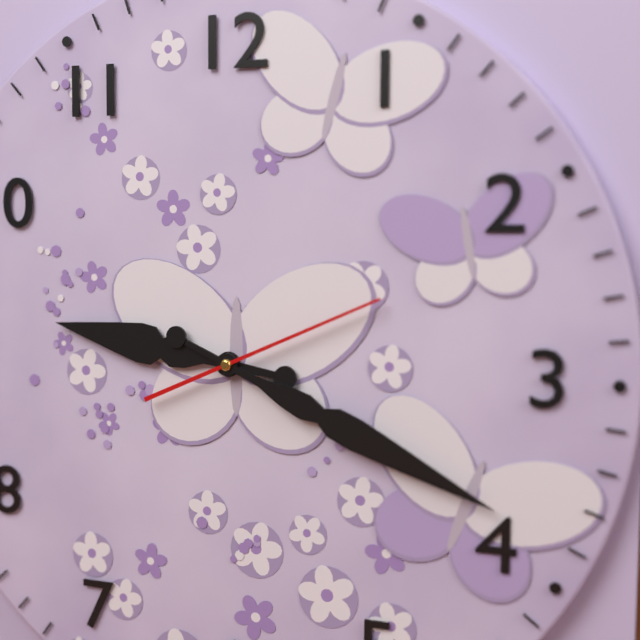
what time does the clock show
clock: 9:19:11
